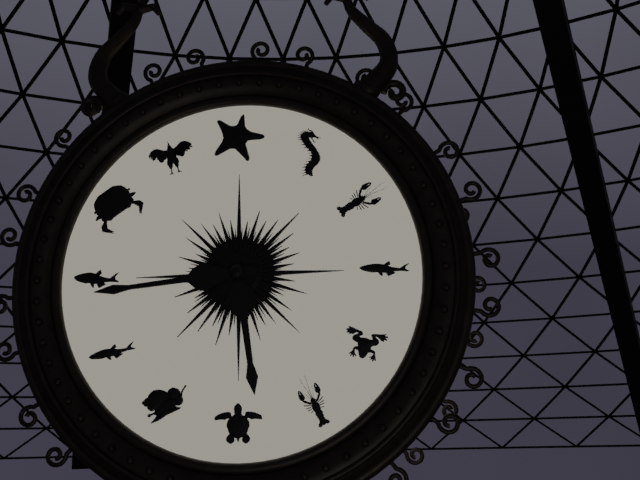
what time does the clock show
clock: 5:44
